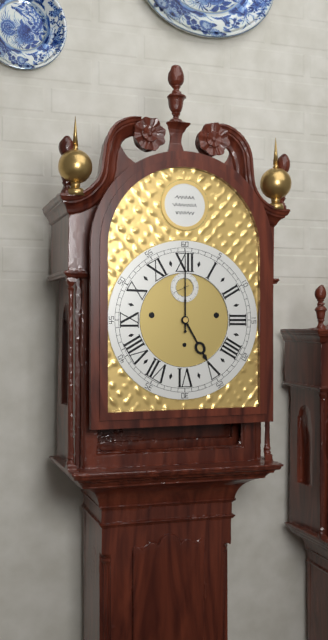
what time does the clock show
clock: 5:00
